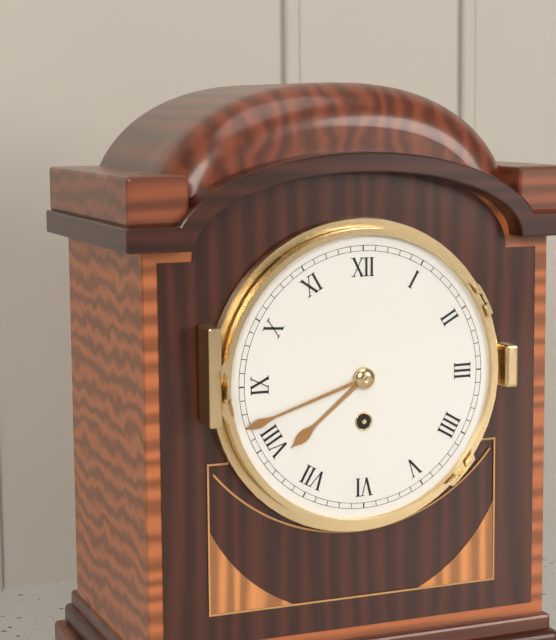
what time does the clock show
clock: 7:42
